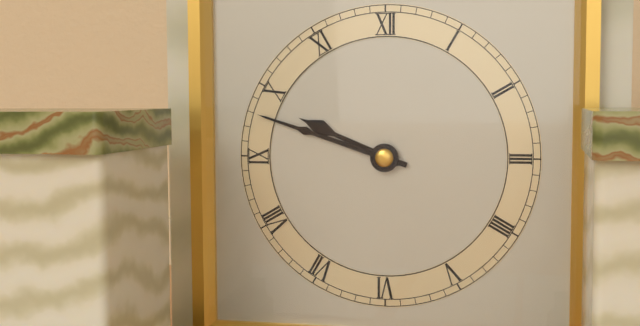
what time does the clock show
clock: 9:48
